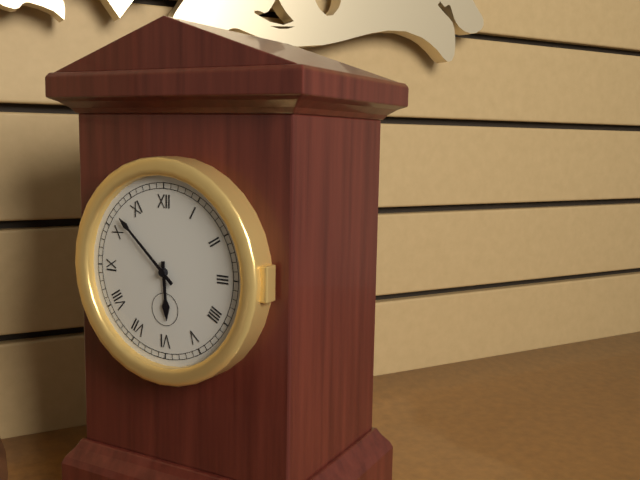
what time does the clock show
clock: 5:52
